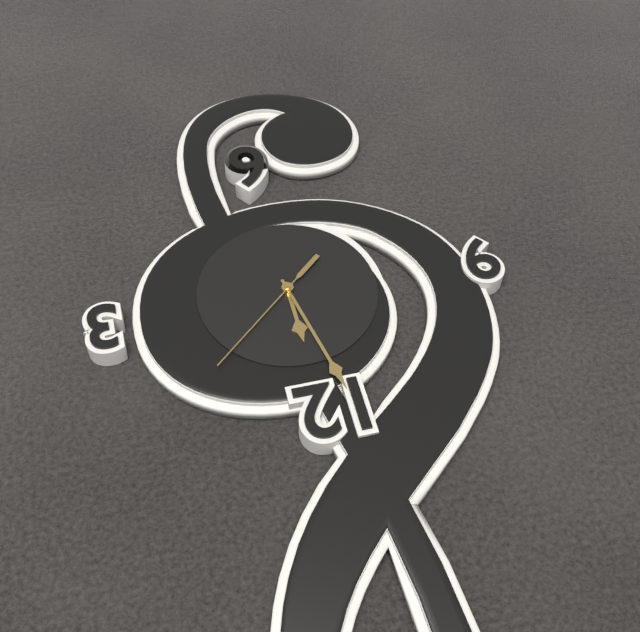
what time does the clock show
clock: 11:58:08
